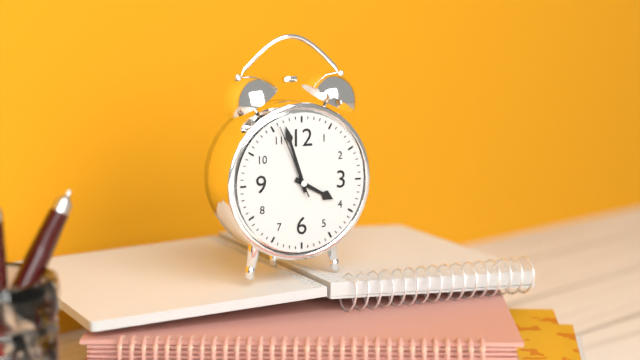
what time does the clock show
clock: 3:57:56
